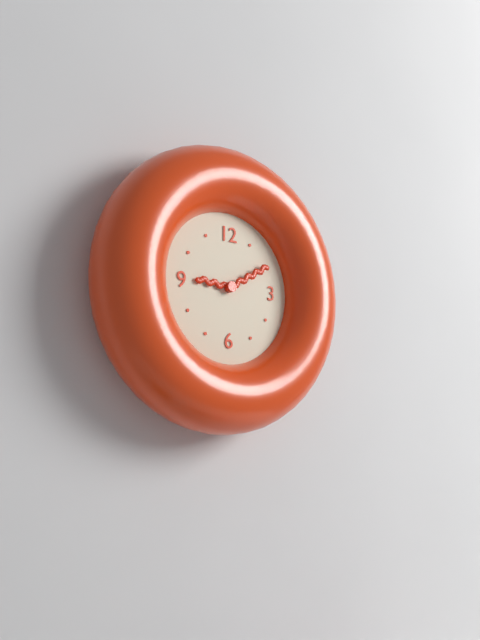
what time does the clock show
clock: 9:10
